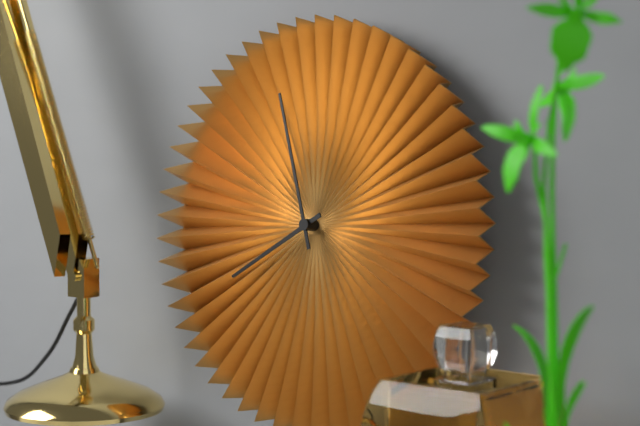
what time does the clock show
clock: 7:57
